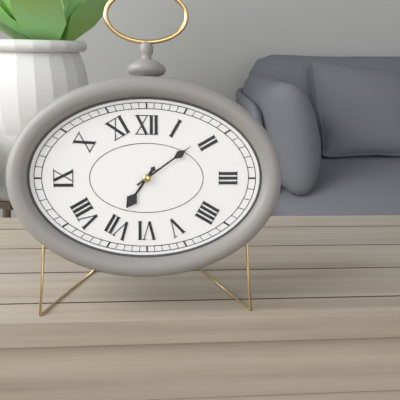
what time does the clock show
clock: 7:09
